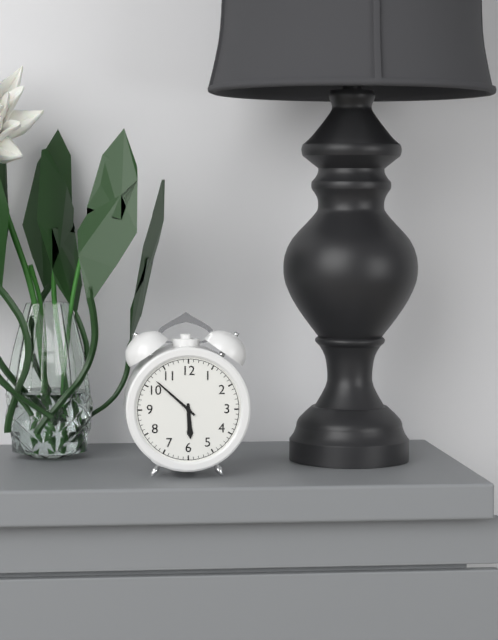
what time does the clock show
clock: 5:52
